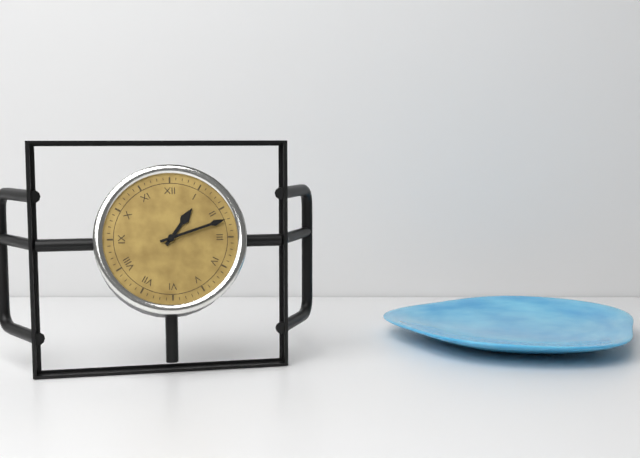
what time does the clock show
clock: 1:12
